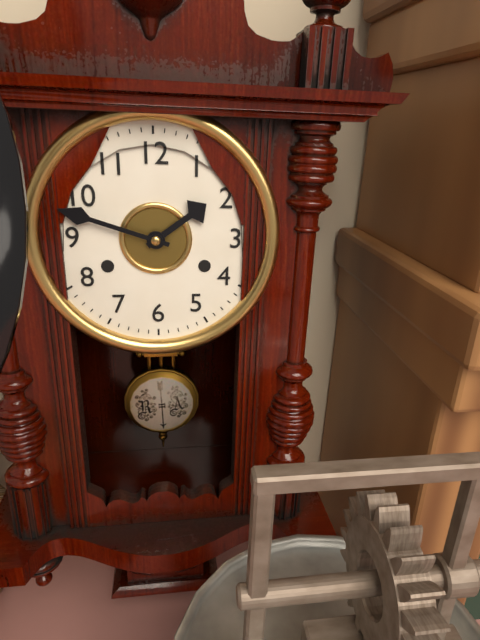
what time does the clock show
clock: 1:48
